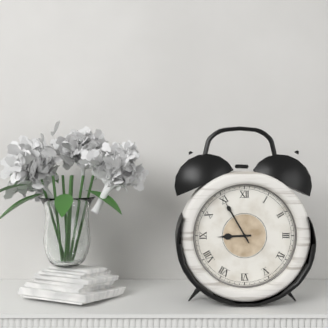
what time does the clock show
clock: 8:55
